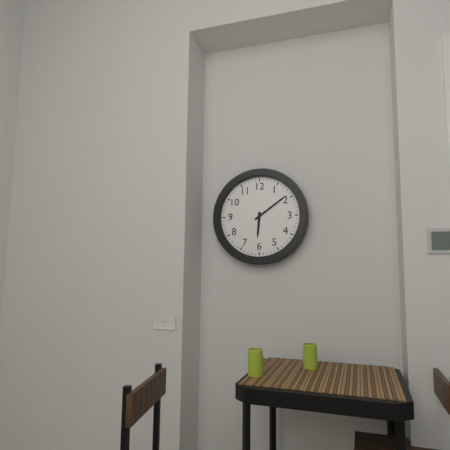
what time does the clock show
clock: 6:09
